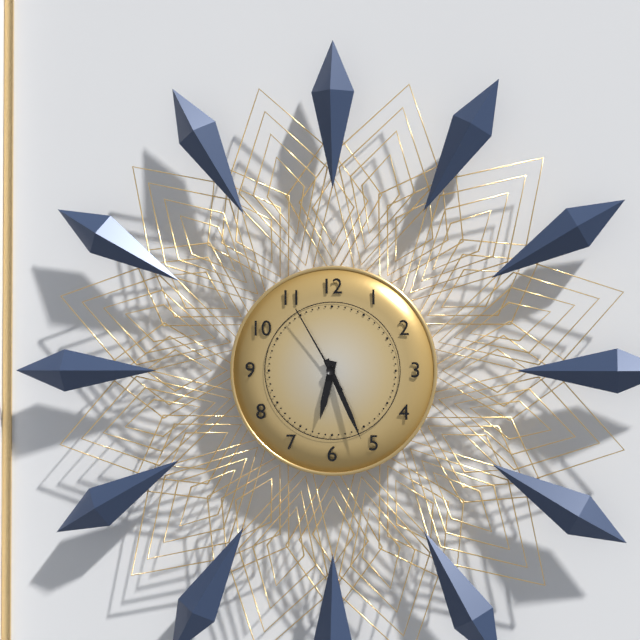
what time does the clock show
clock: 6:26:55
